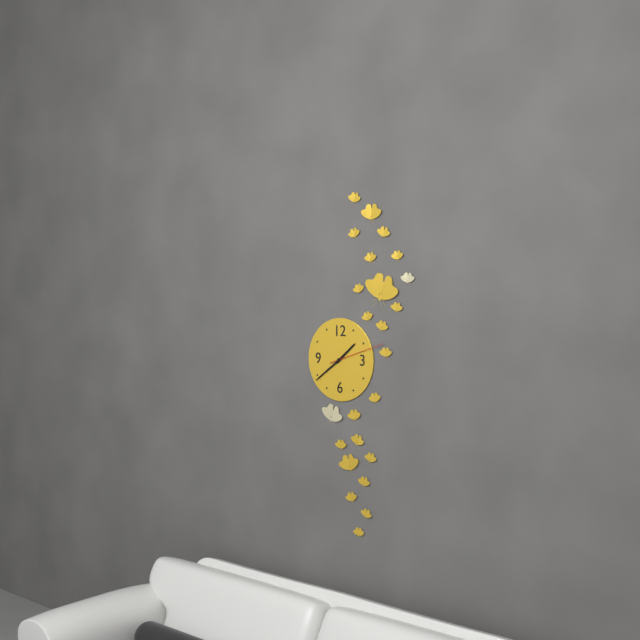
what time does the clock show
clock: 1:39:12
